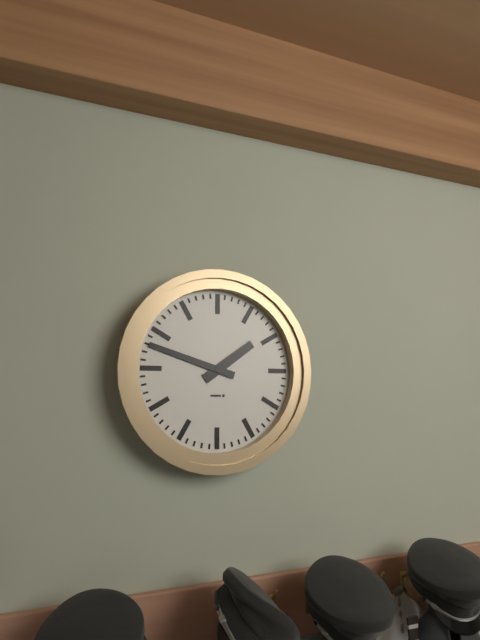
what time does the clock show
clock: 1:48
